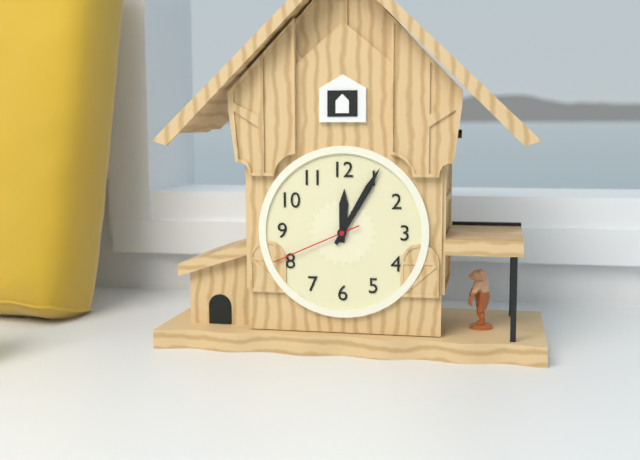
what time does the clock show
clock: 12:05:41
